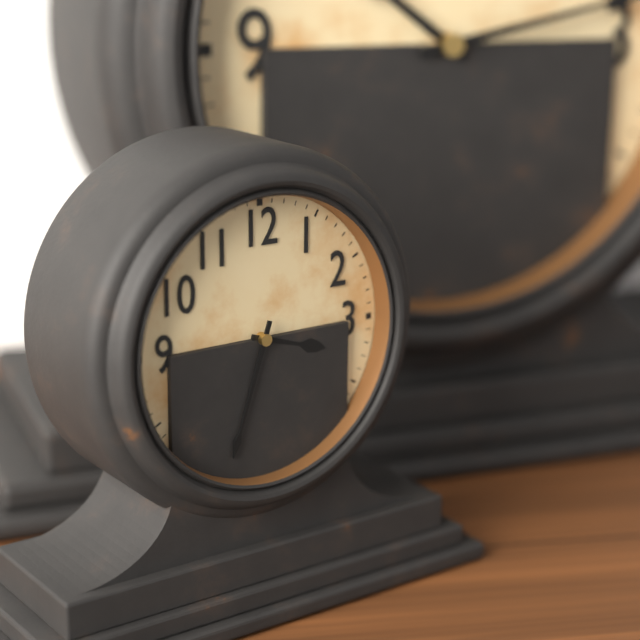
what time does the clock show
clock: 3:33
